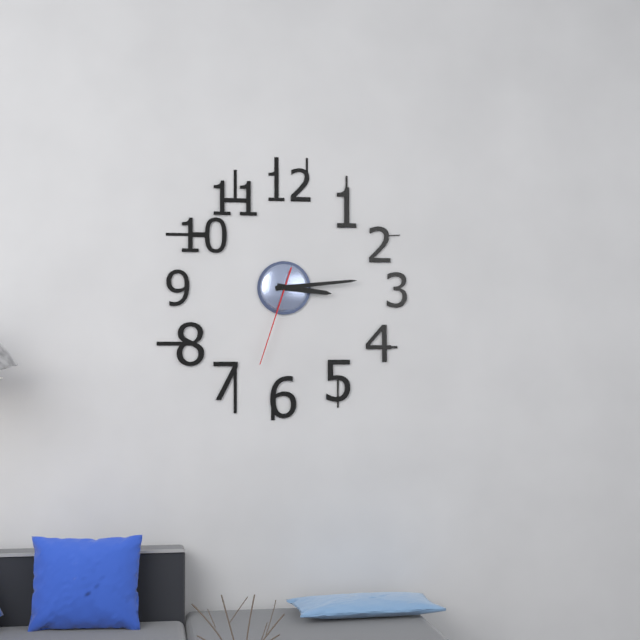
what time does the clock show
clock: 3:14:33
